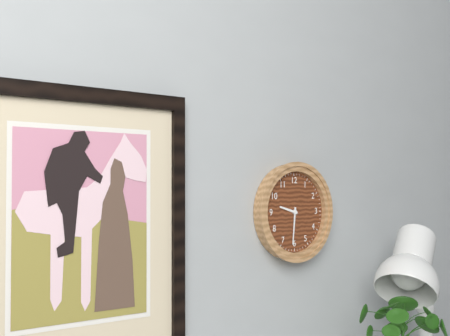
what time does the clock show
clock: 9:31
